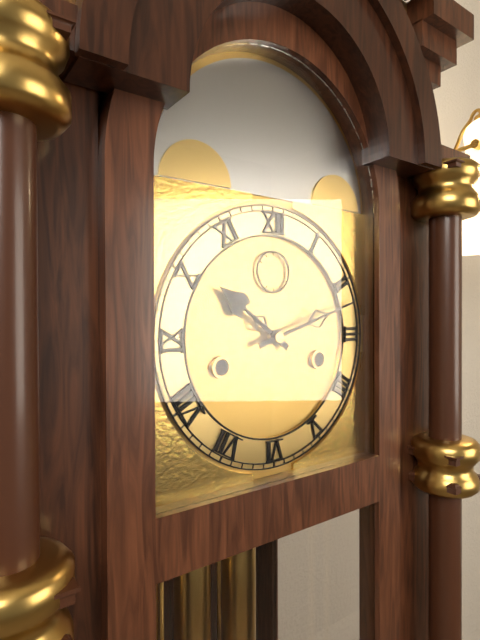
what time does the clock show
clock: 10:12
